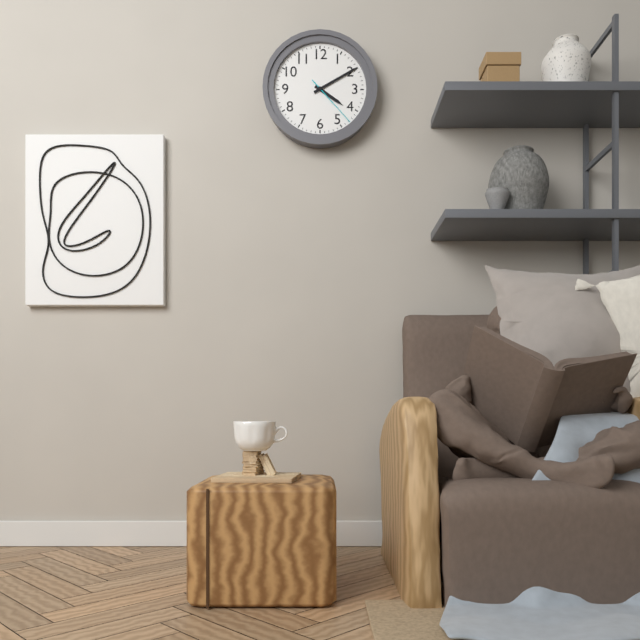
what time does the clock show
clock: 4:10:23
